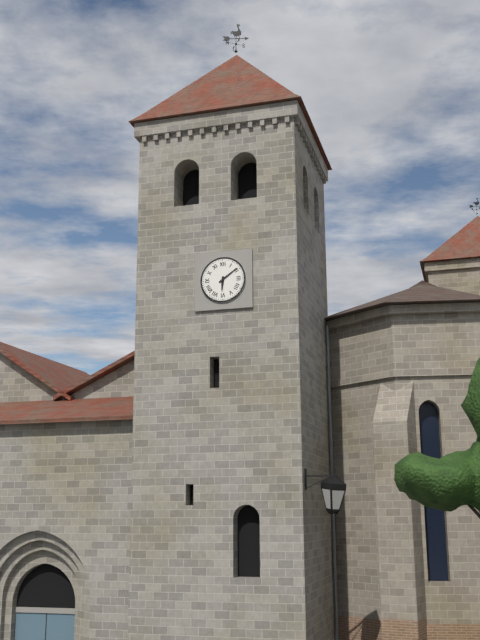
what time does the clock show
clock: 6:09
